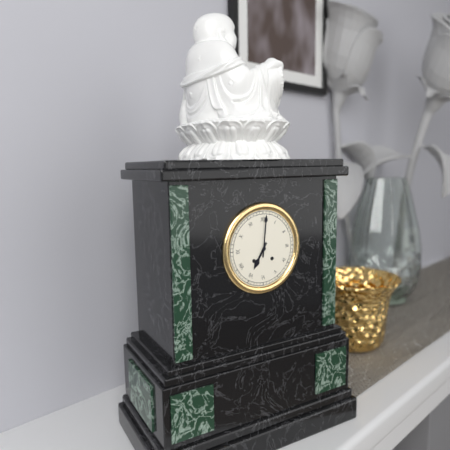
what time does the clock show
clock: 7:01
